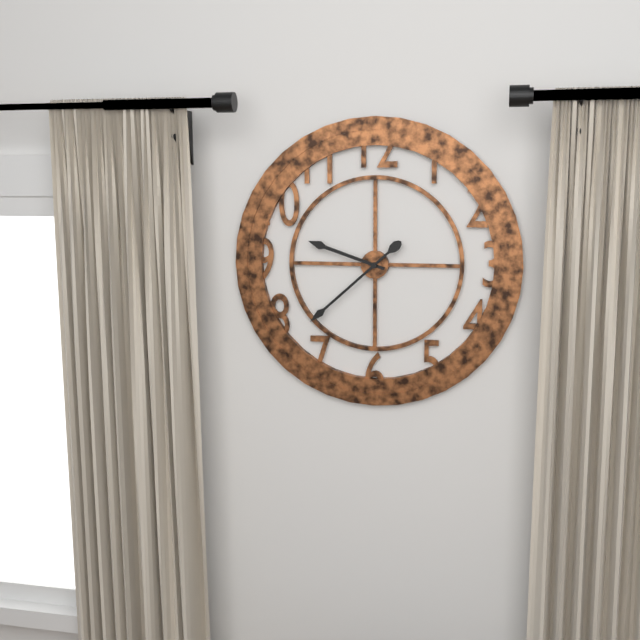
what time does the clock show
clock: 9:38
